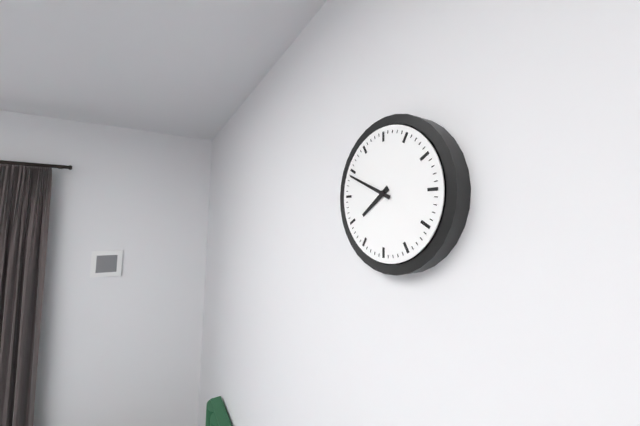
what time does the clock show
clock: 7:49
